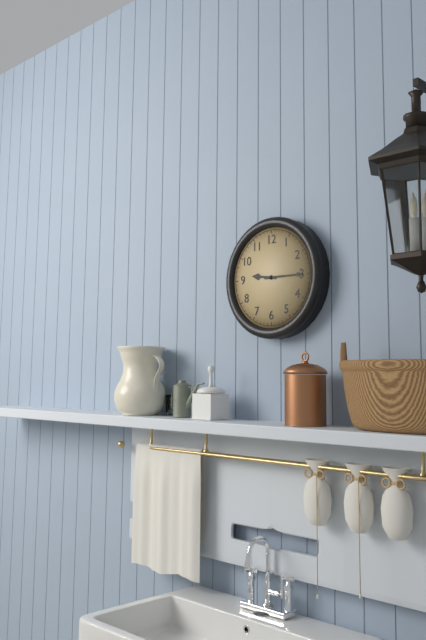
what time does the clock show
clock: 9:15
